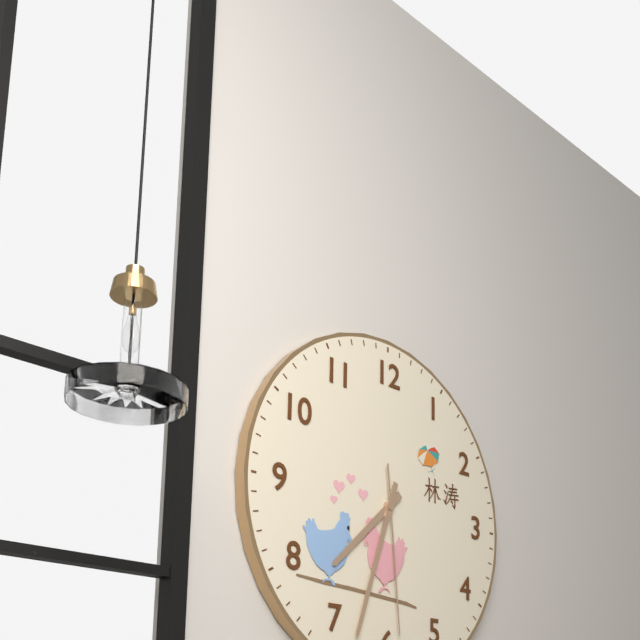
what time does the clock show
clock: 7:33:29
